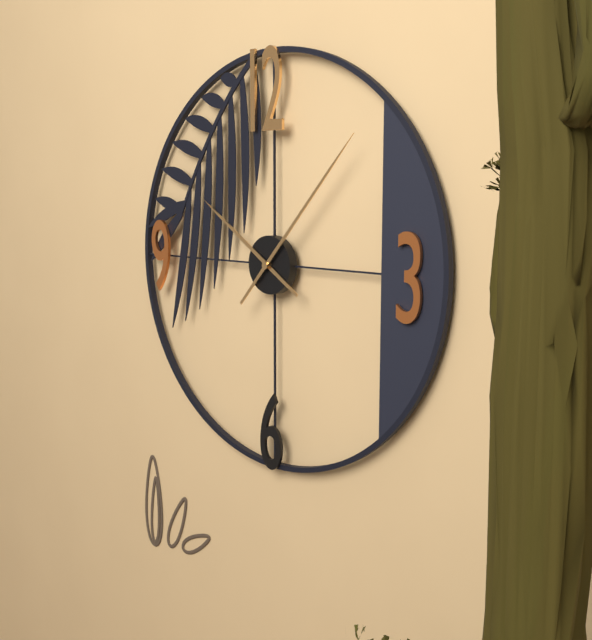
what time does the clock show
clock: 10:07
